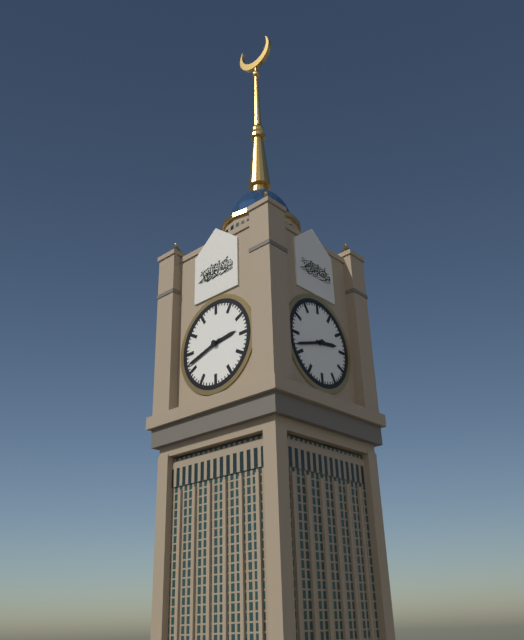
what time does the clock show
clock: 2:42
